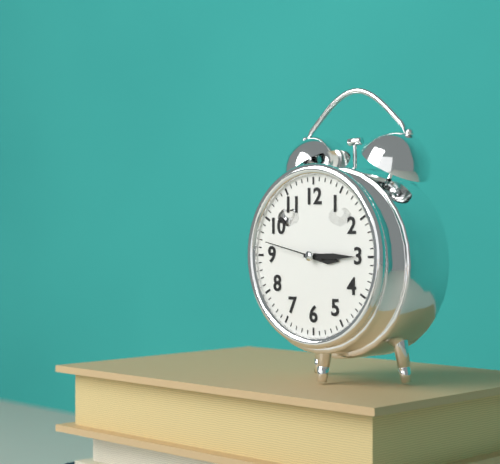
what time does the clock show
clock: 3:15:47
